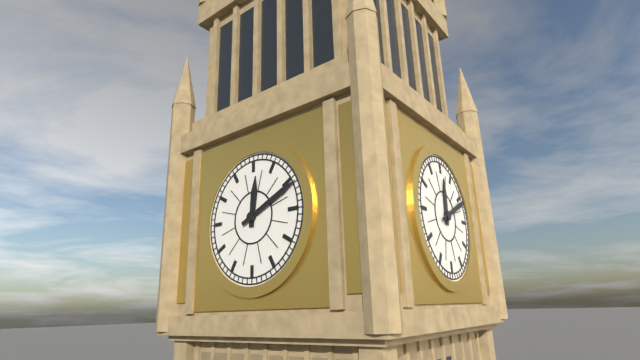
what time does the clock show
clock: 12:11
